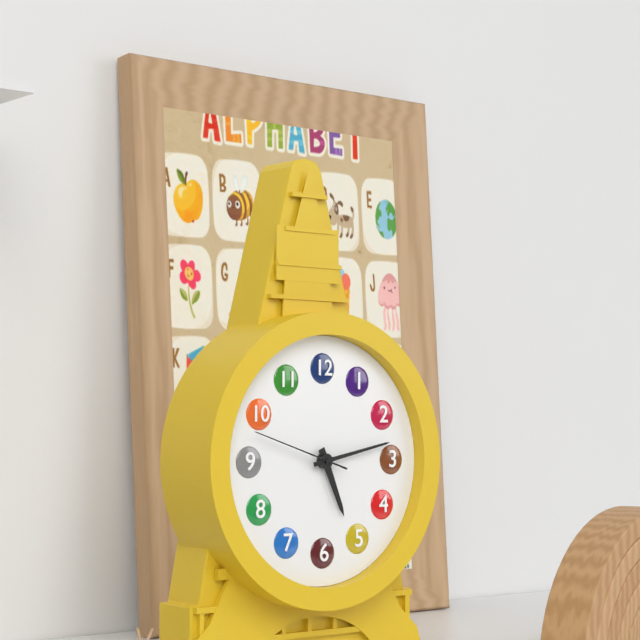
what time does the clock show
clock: 5:13:48
